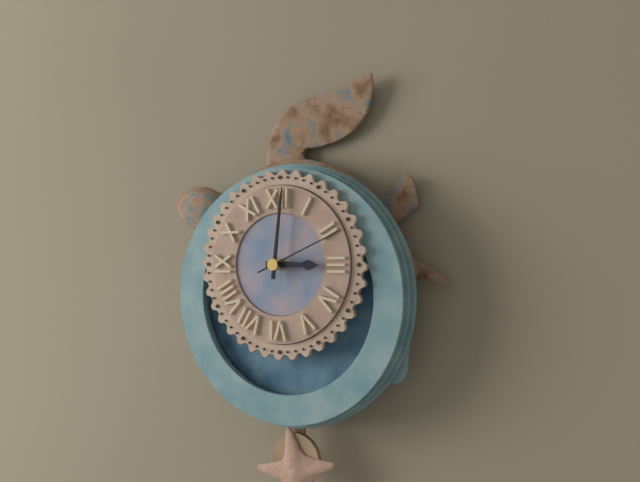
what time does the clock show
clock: 3:01:11
